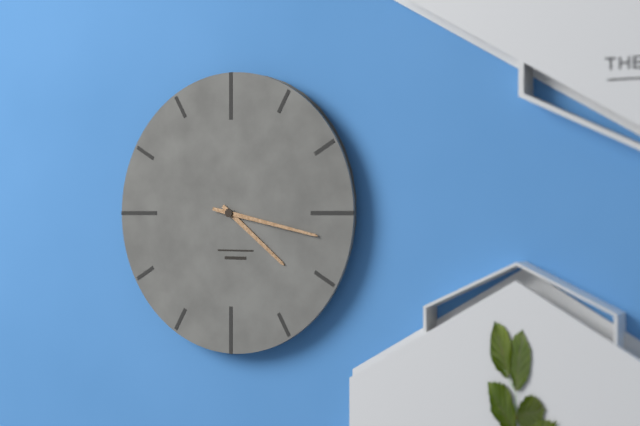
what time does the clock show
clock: 4:17
